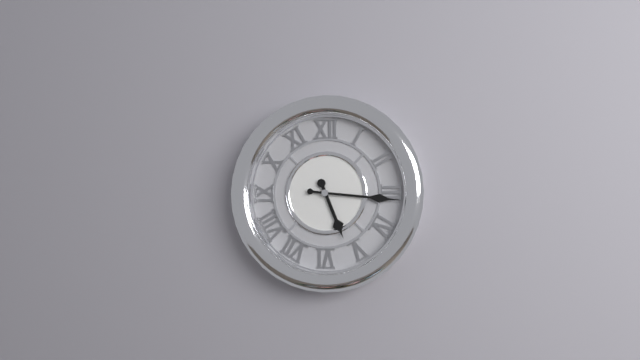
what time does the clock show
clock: 5:16
